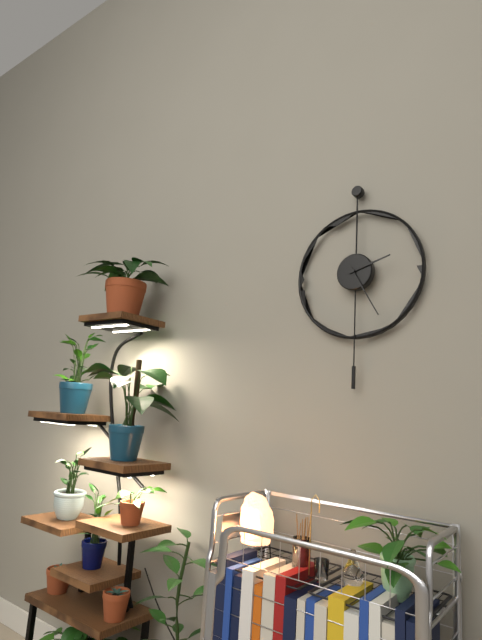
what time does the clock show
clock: 2:25
